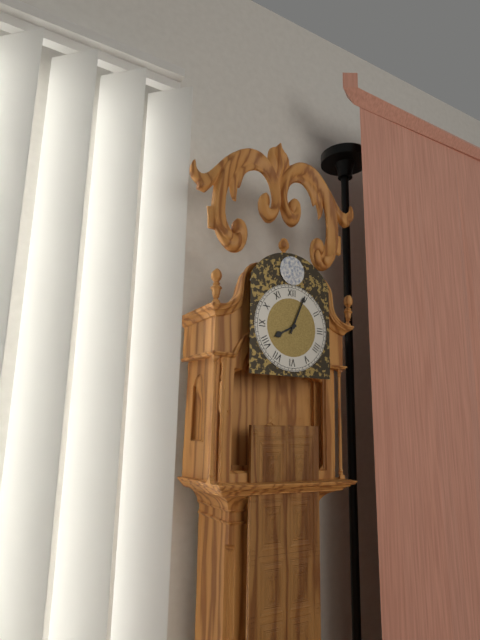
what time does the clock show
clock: 8:04
